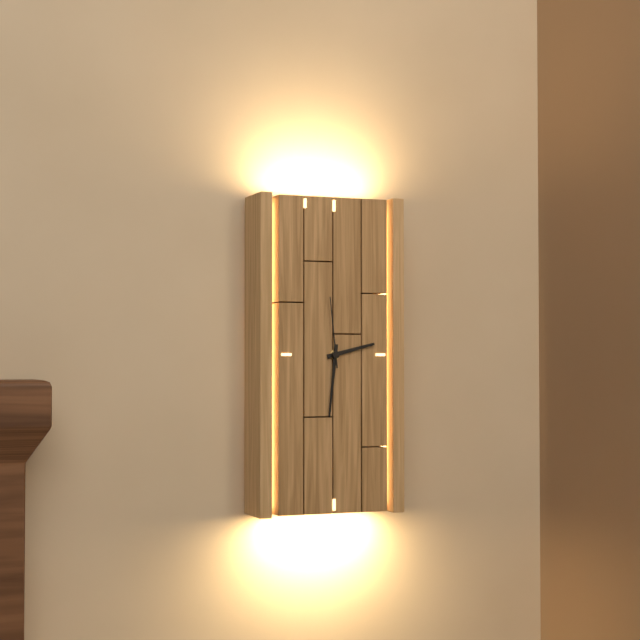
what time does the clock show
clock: 2:31:59
